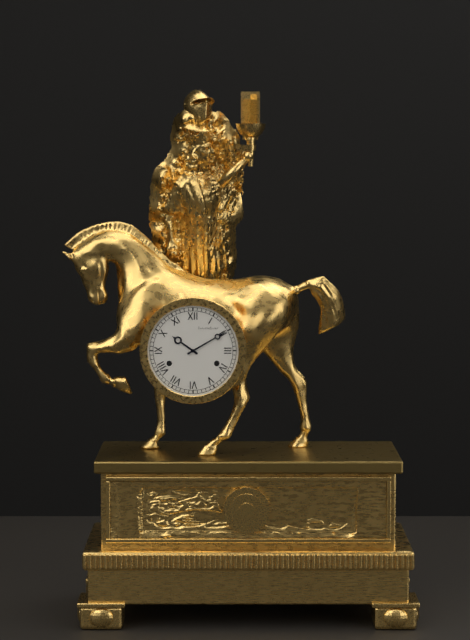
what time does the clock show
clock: 10:10
